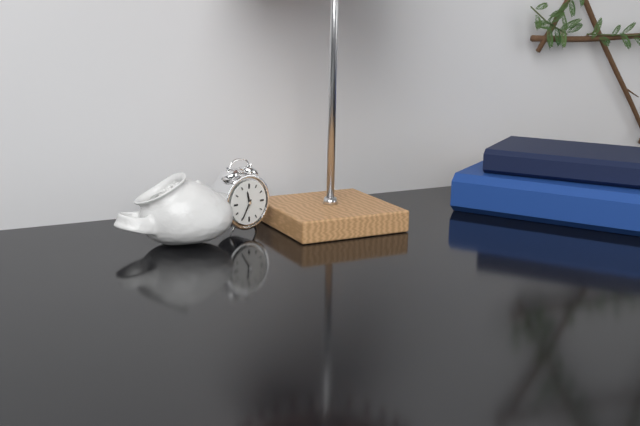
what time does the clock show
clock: 11:35
